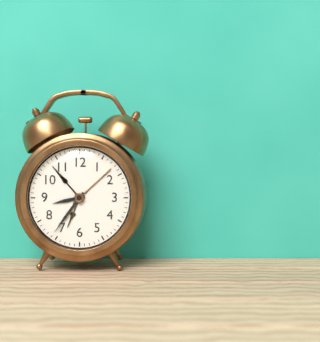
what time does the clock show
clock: 8:36
